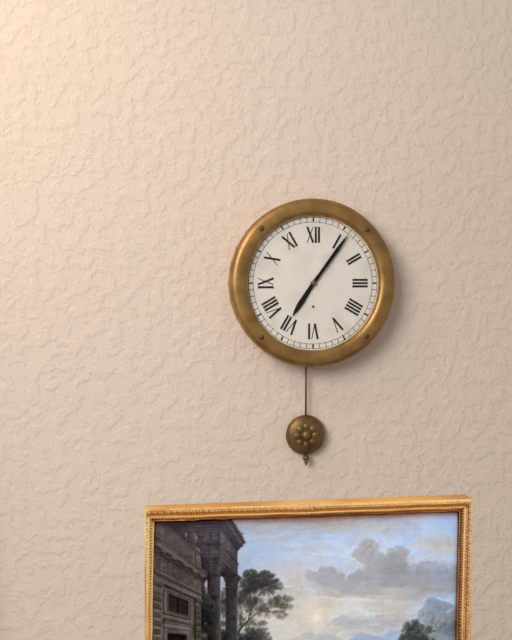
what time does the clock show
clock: 7:06
